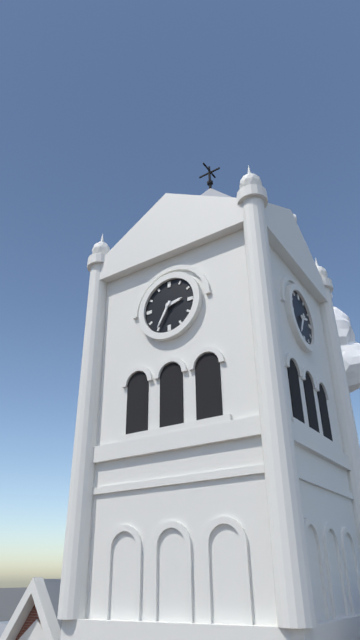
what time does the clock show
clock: 2:35
